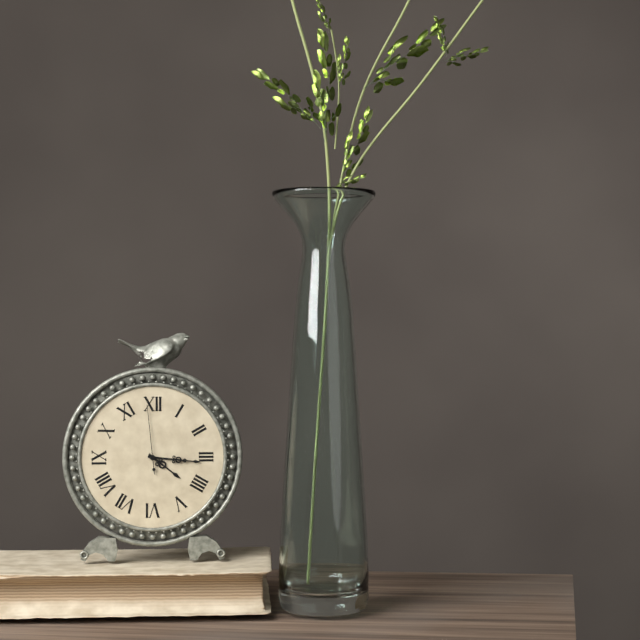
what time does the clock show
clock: 4:16:59
